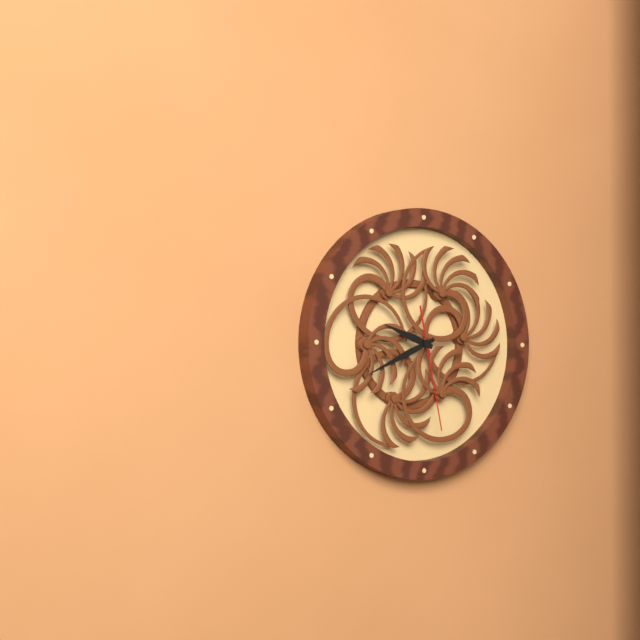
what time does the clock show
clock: 9:41:28
